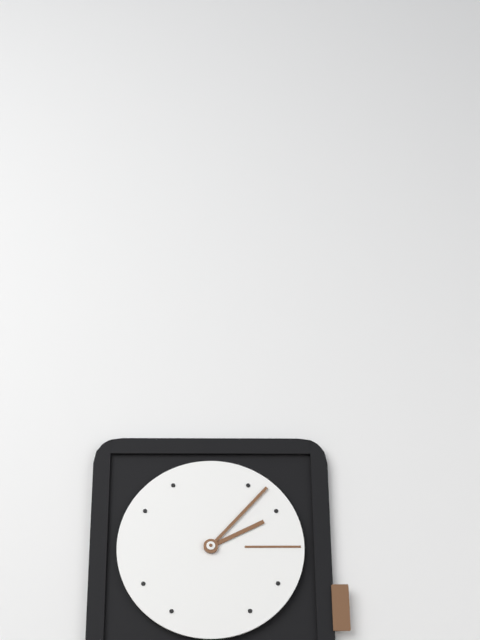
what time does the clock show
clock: 2:07
